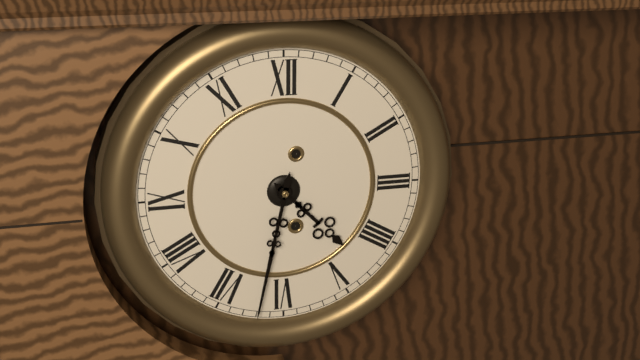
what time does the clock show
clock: 4:32
